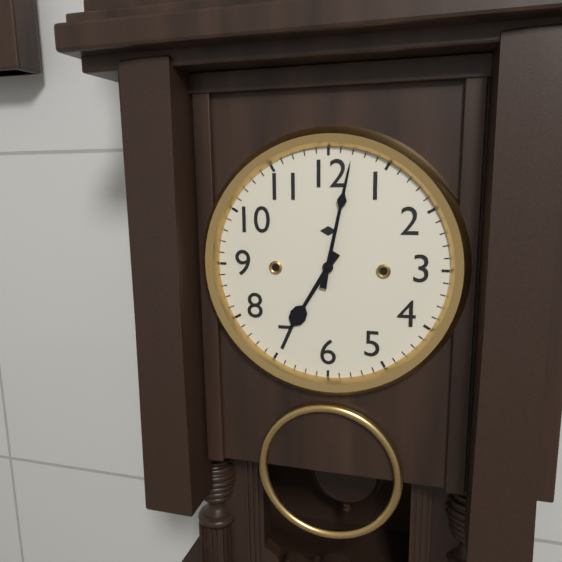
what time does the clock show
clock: 7:02
